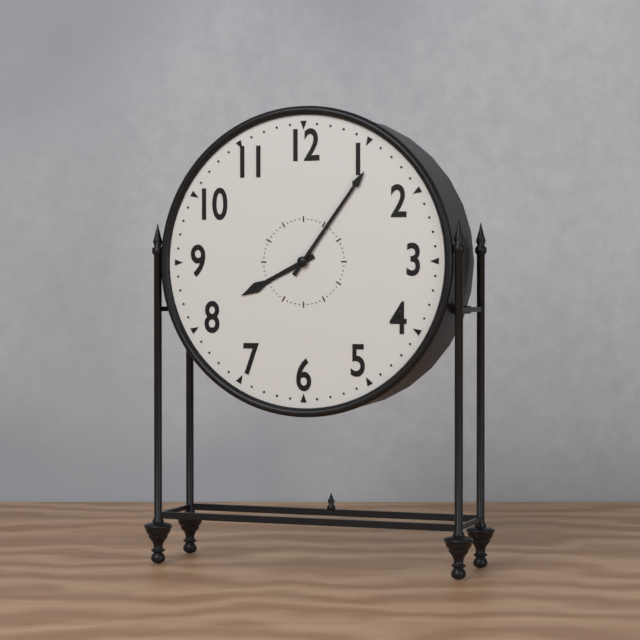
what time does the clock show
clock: 8:06
